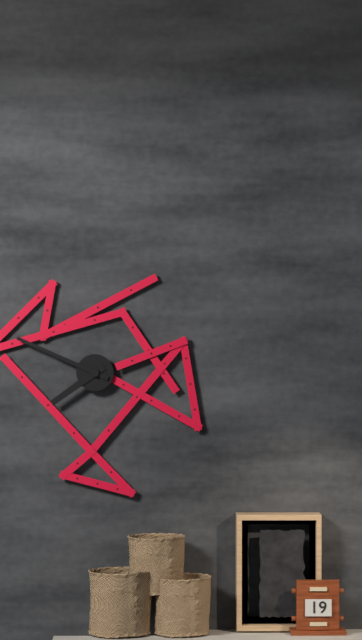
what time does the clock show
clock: 7:49
